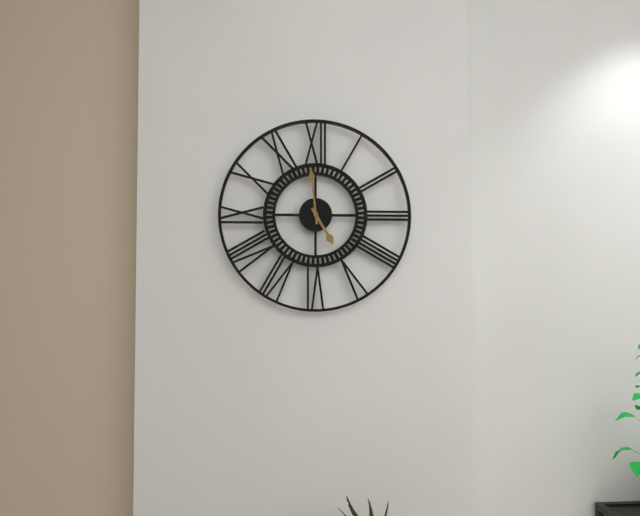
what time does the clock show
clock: 4:59
